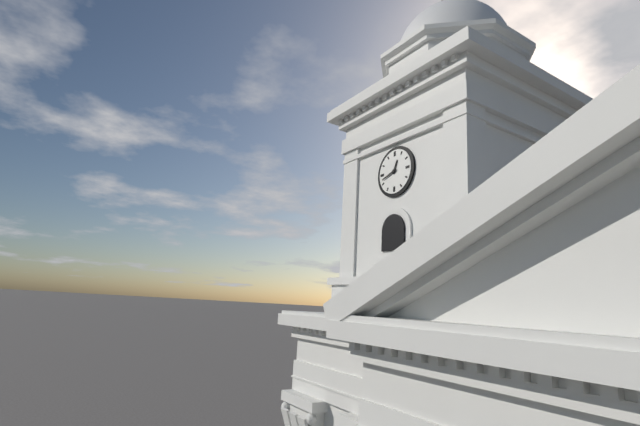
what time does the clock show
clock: 12:42
